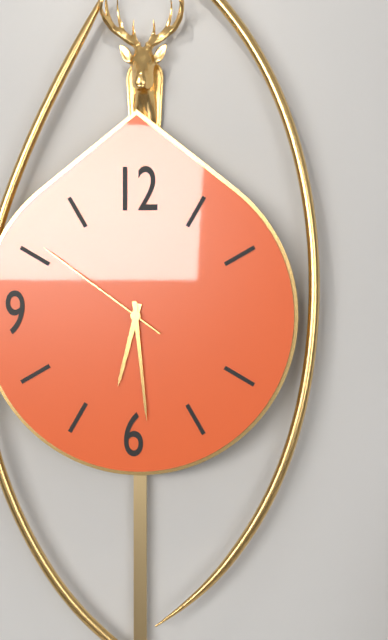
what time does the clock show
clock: 6:29:51
